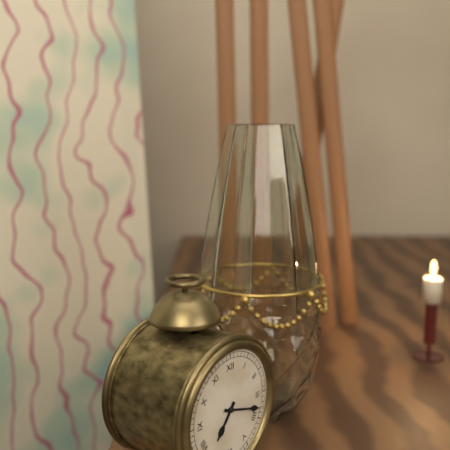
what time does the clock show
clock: 7:18
